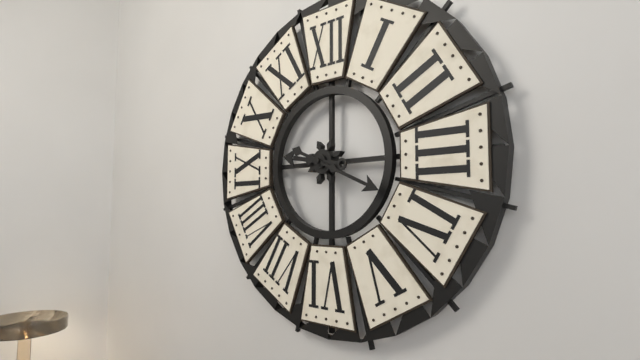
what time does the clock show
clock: 9:19
